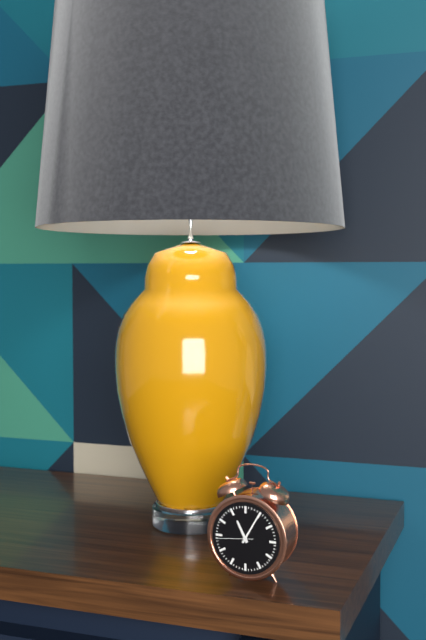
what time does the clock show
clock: 11:05
